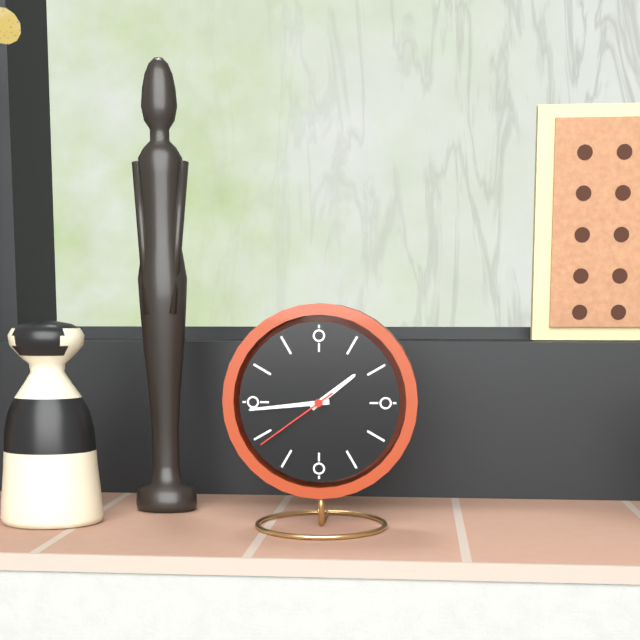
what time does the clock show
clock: 1:44:39
